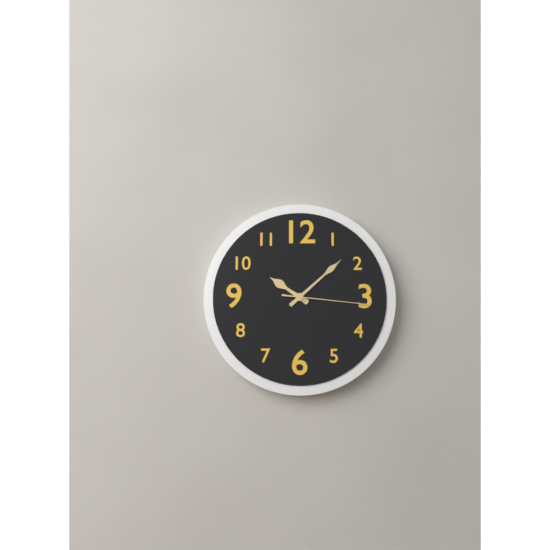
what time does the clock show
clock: 10:08:16
